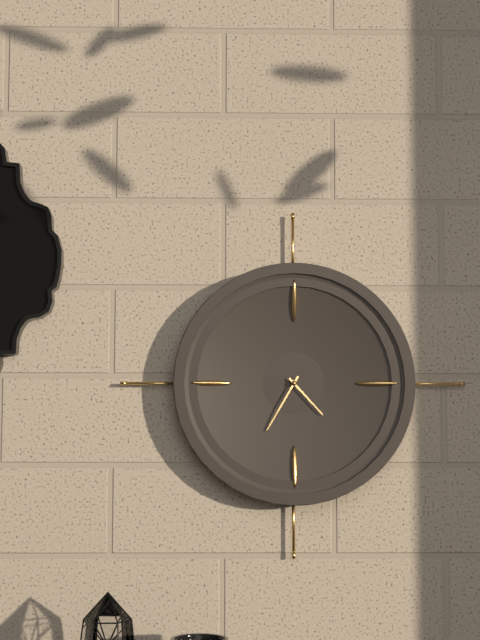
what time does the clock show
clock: 4:35
